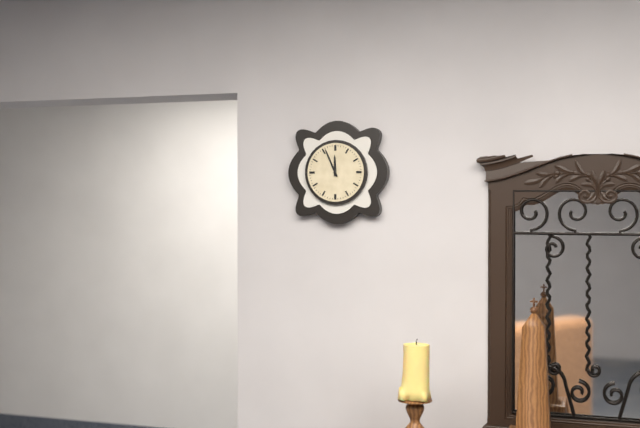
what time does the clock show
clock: 11:56
